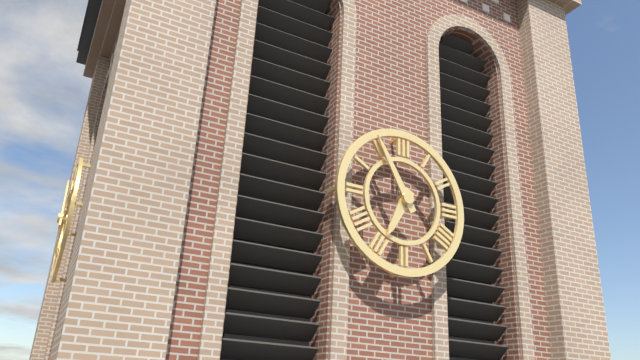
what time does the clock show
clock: 6:55
